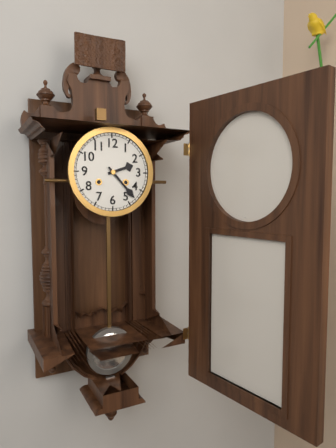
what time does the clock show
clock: 2:23
